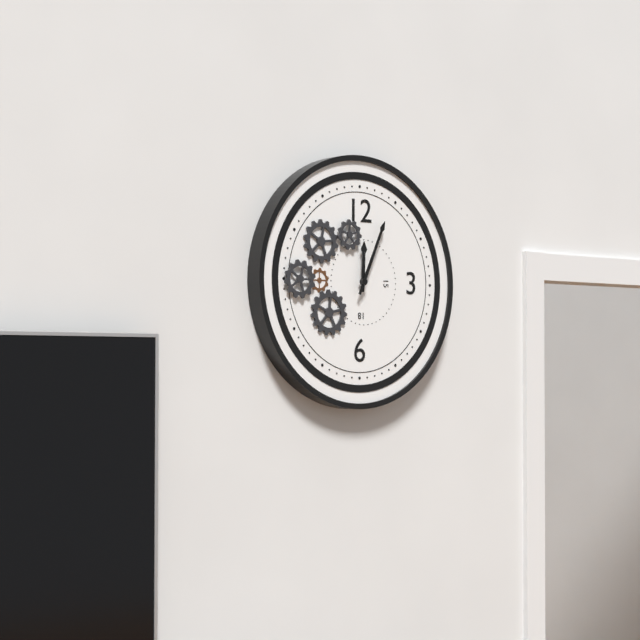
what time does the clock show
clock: 12:04
